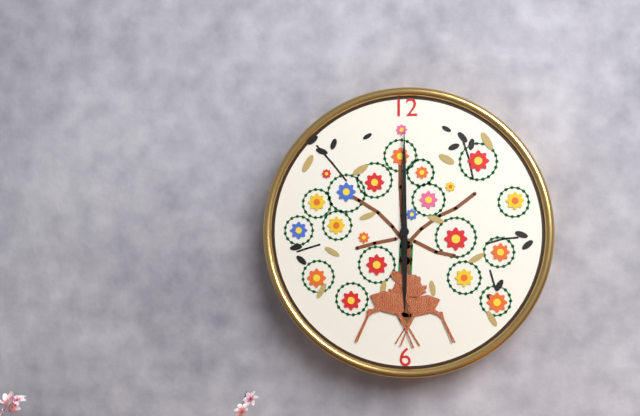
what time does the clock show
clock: 6:00
